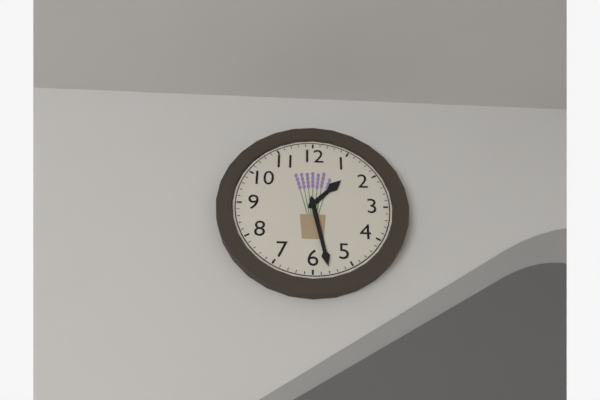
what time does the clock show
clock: 1:28
